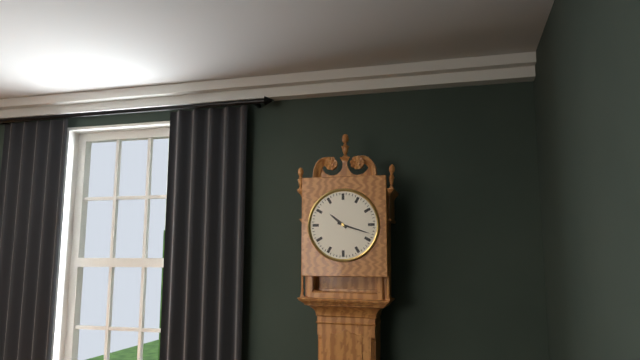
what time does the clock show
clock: 10:18
